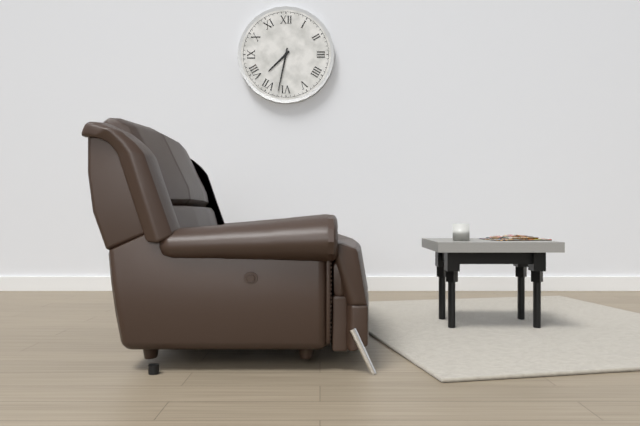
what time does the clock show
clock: 7:32
